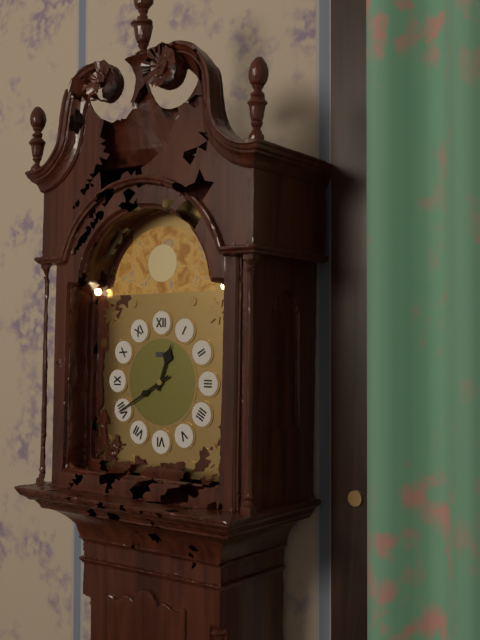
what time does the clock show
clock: 12:40
